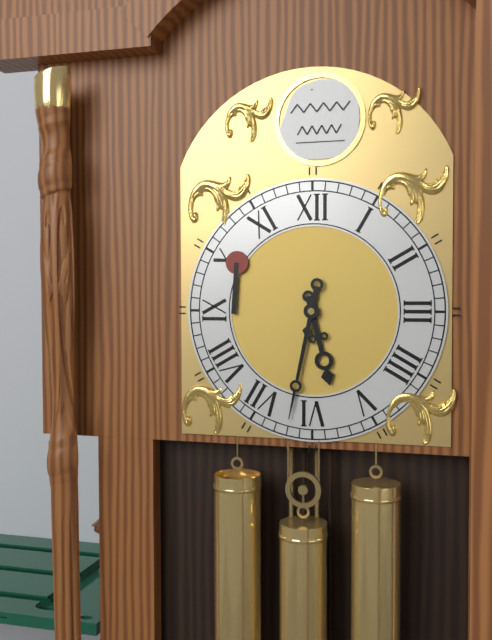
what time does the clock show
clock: 5:32
